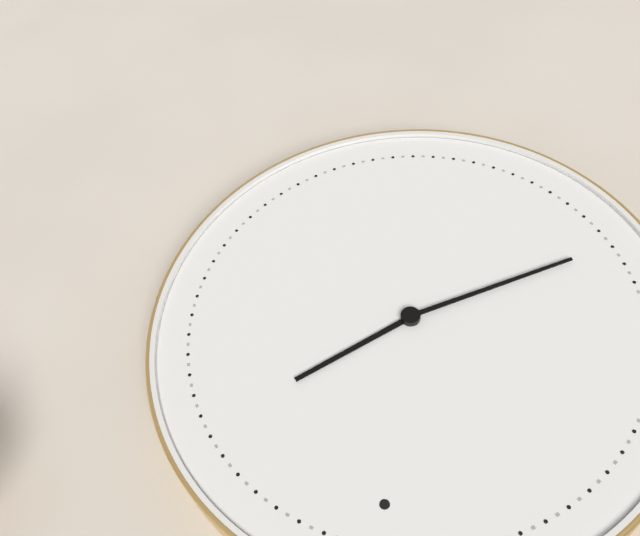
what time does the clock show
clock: 1:40
